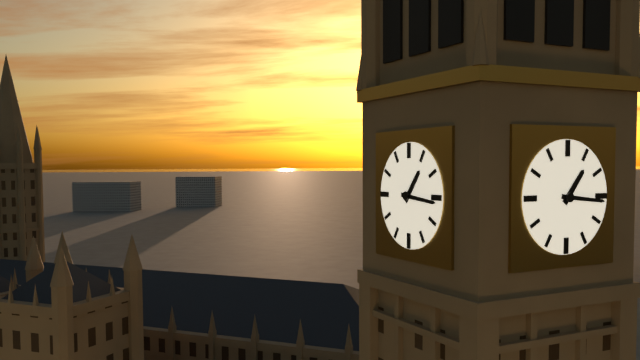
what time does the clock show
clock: 1:16
